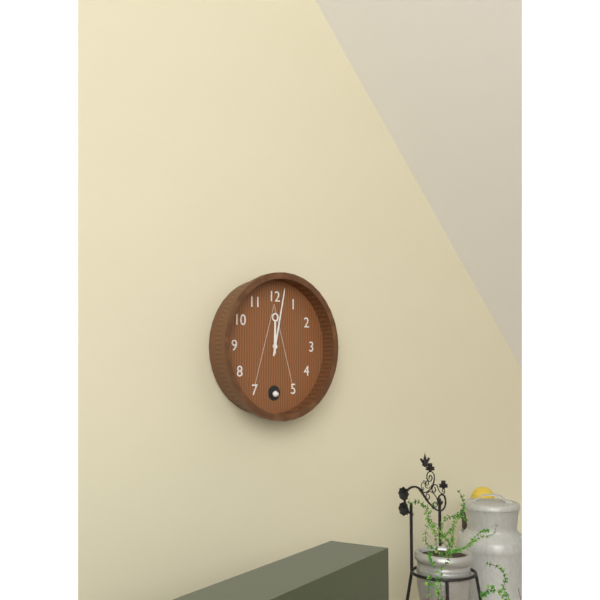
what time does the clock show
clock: 12:02
